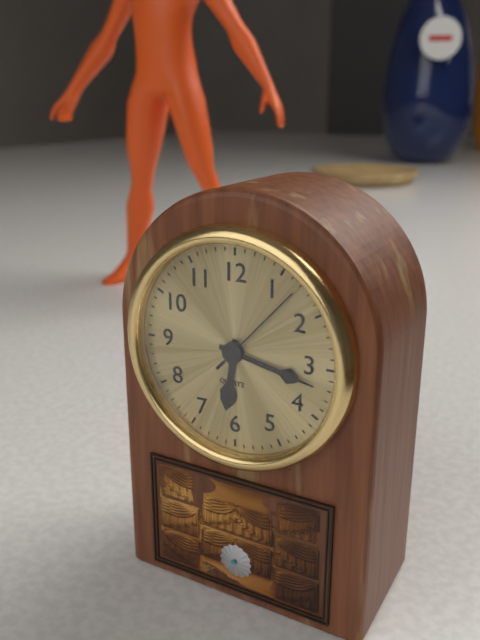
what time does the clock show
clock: 6:17:07
